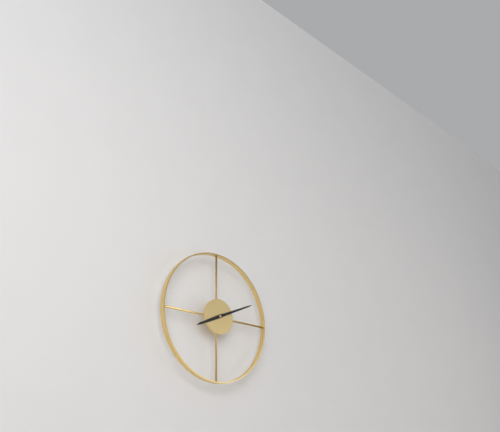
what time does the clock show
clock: 8:11
